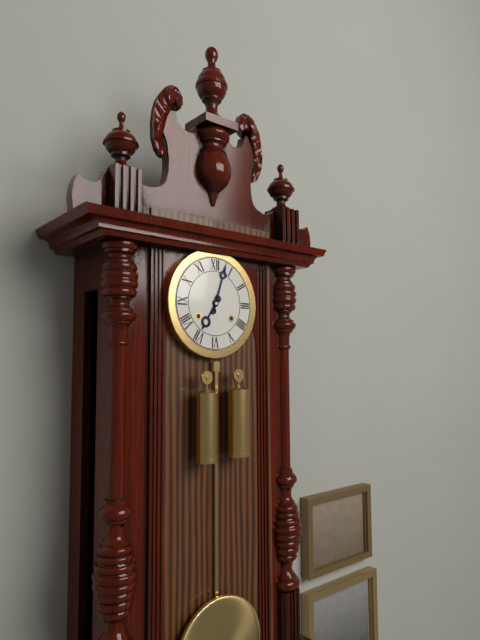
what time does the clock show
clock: 7:03
